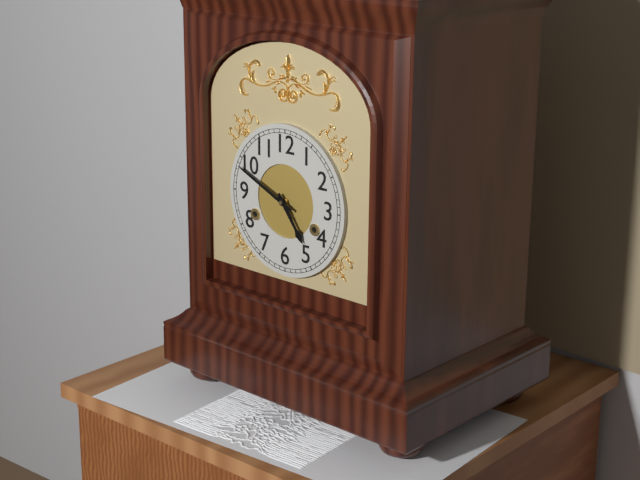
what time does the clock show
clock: 4:49
